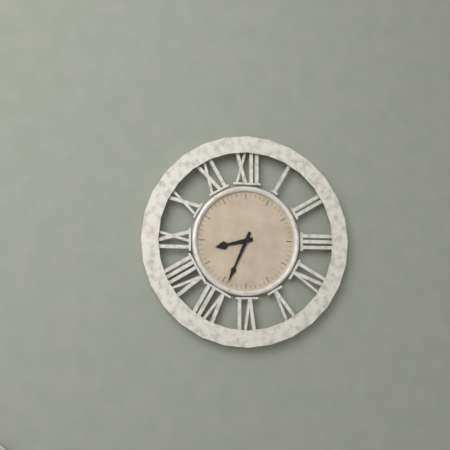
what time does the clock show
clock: 8:34
